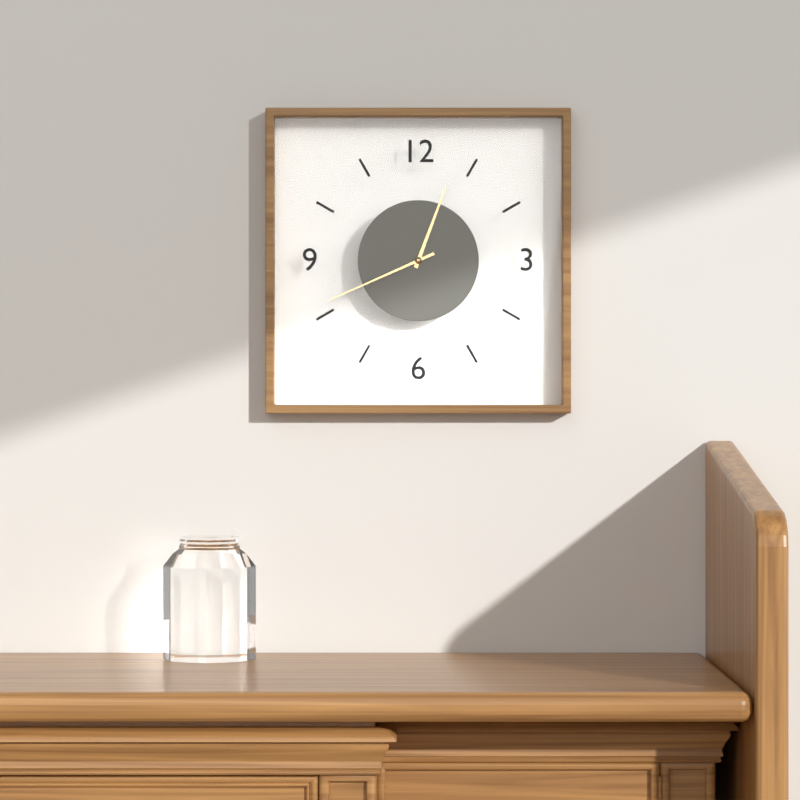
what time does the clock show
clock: 12:41
